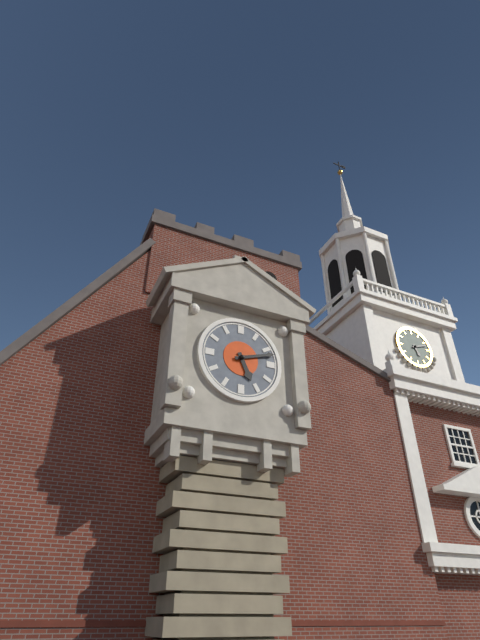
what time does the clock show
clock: 5:12
